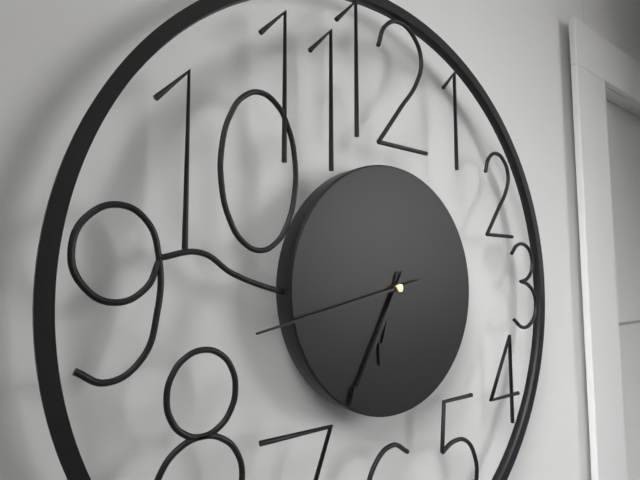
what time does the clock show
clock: 6:35:43
